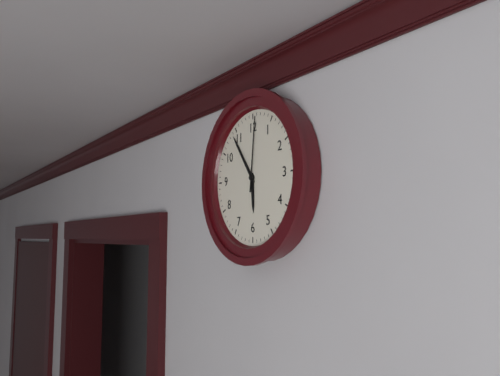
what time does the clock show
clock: 5:54:01
